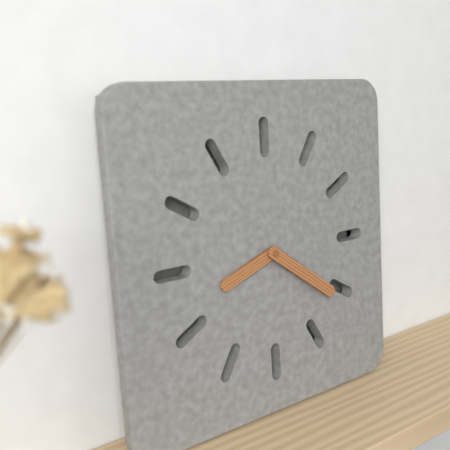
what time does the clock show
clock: 8:21
